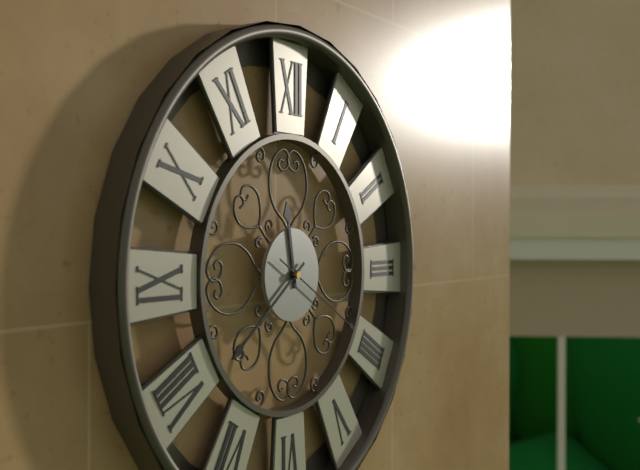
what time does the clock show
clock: 11:39:20
